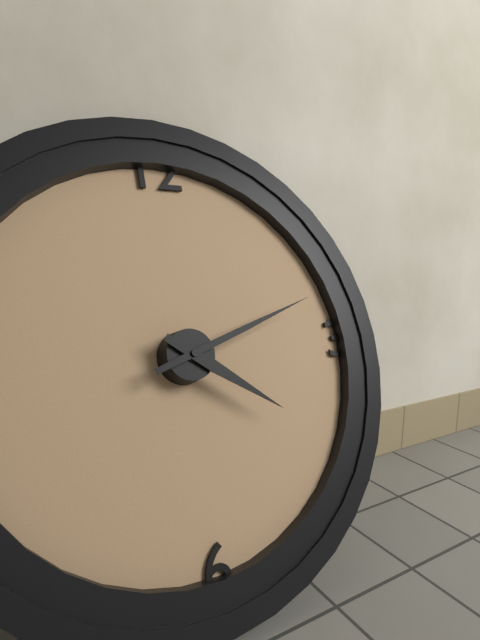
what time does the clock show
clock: 4:12
